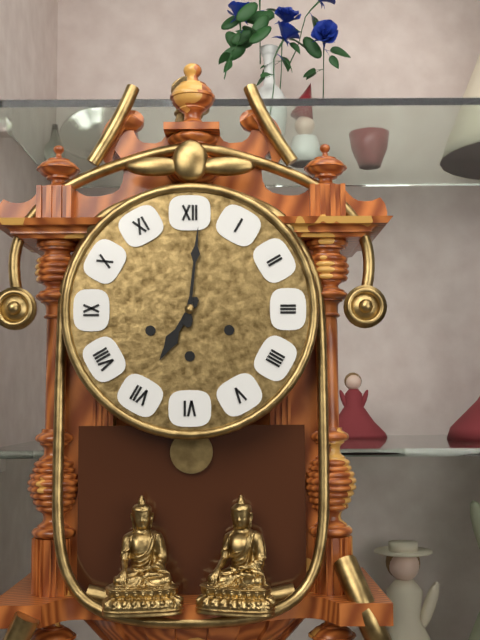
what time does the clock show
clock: 7:01
